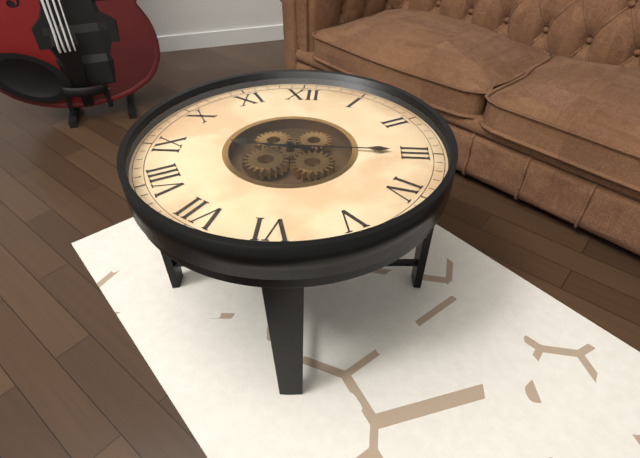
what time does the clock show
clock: 9:15
